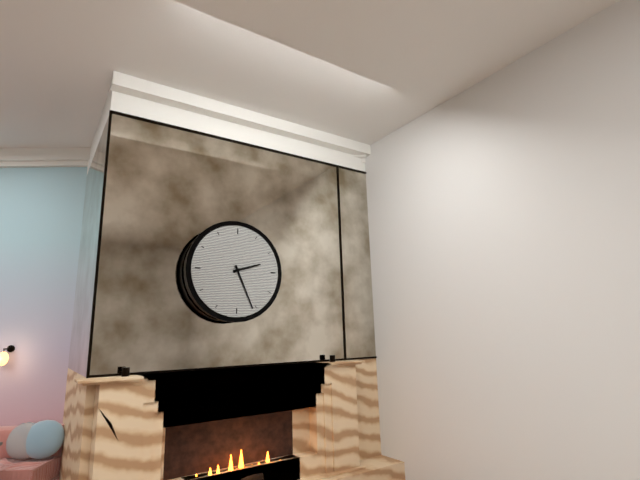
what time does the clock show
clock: 2:26
